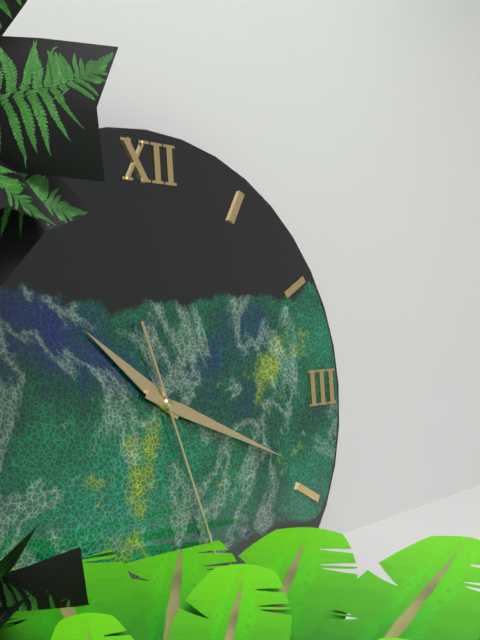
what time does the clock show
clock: 10:19:27
